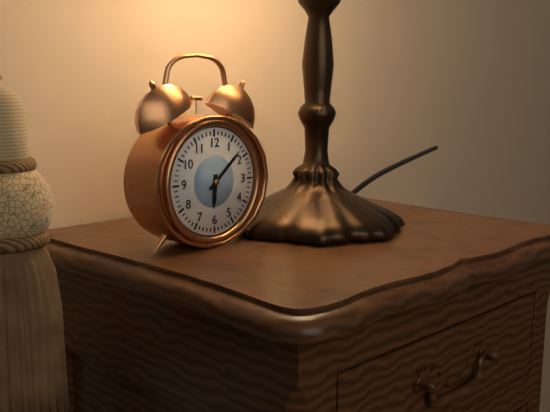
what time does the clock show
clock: 6:08
